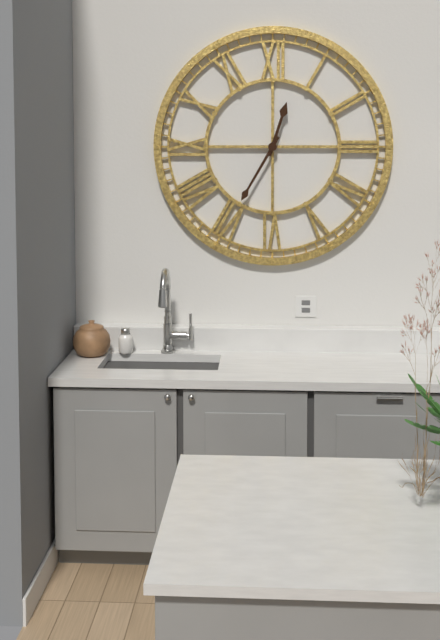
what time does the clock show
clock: 12:35
